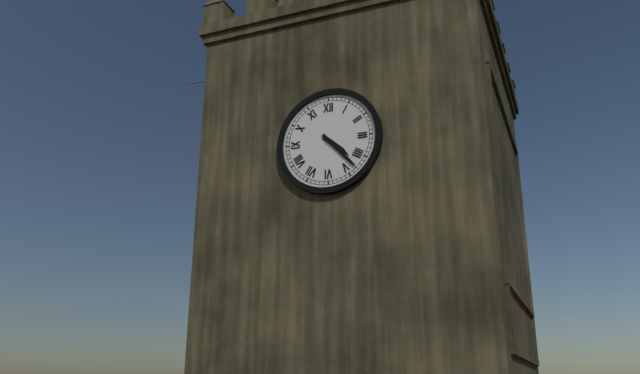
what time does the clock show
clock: 4:23
